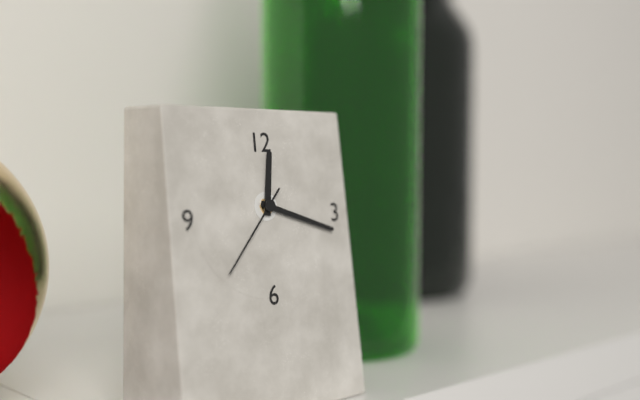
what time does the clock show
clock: 12:18:37
